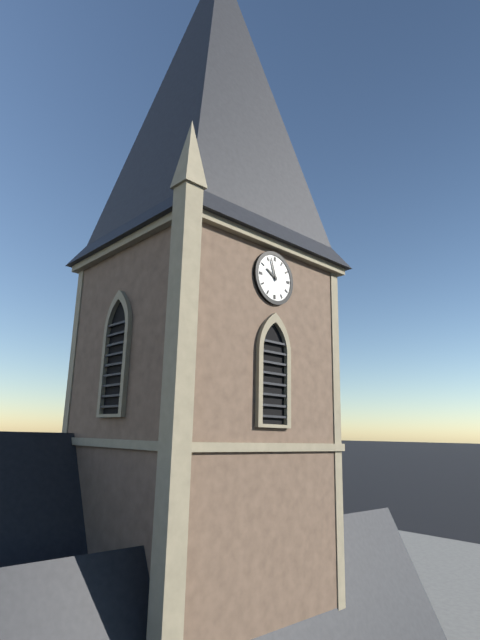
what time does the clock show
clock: 9:57
